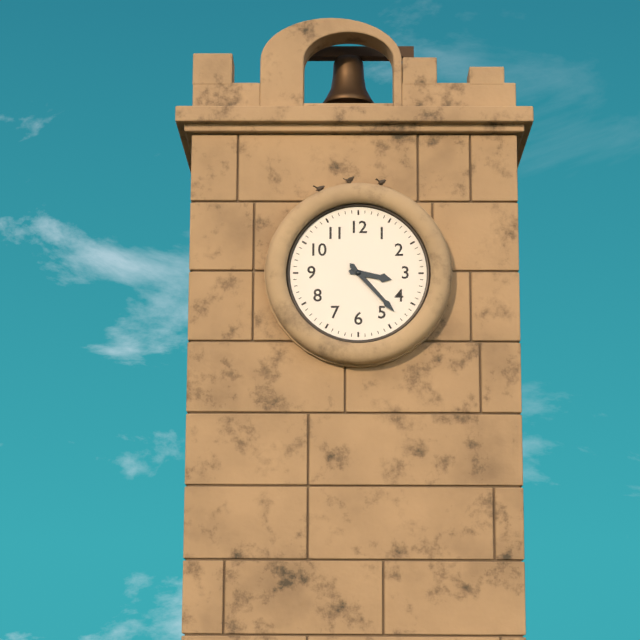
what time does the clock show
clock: 3:23
